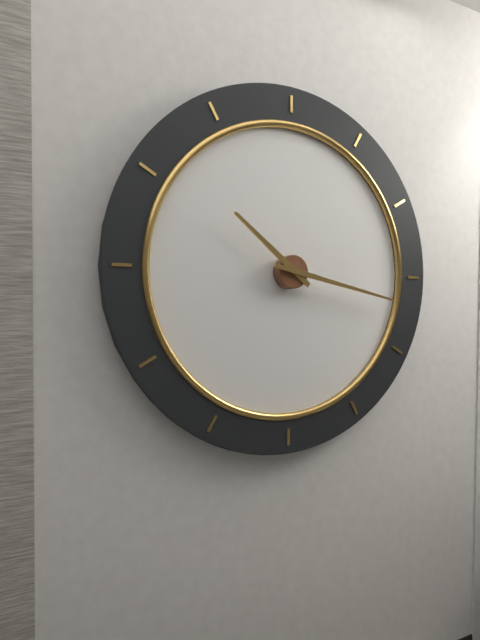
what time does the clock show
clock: 10:17
